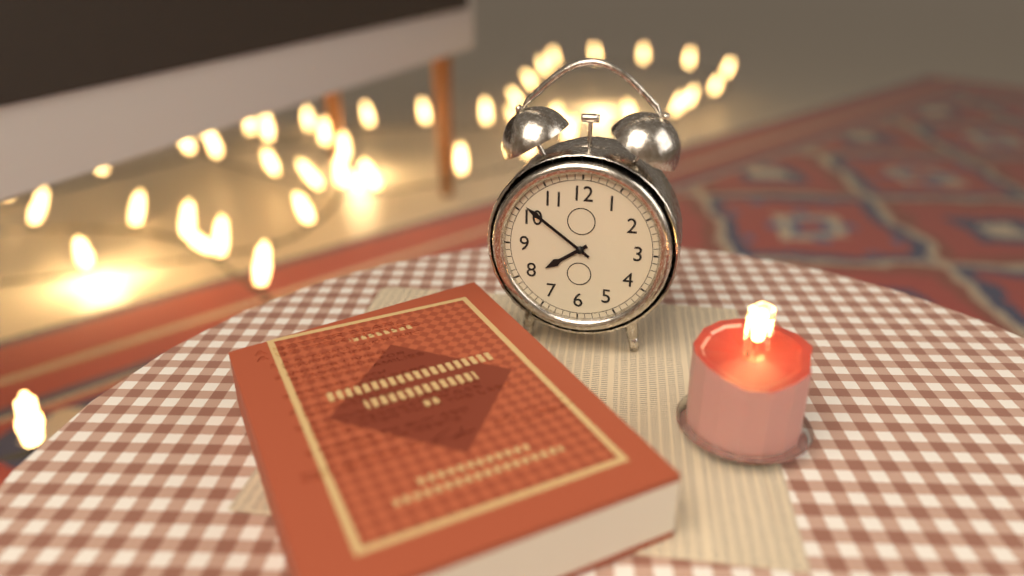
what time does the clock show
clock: 7:51
